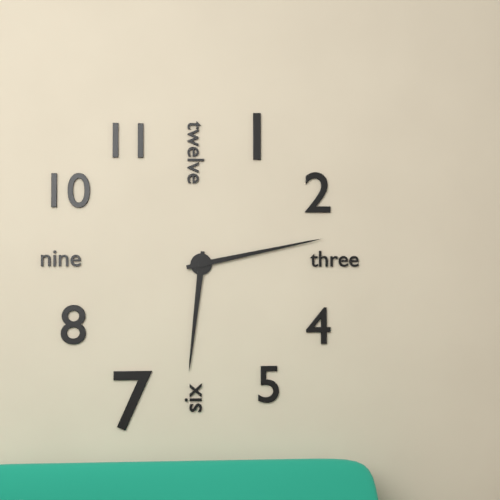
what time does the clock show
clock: 6:13
